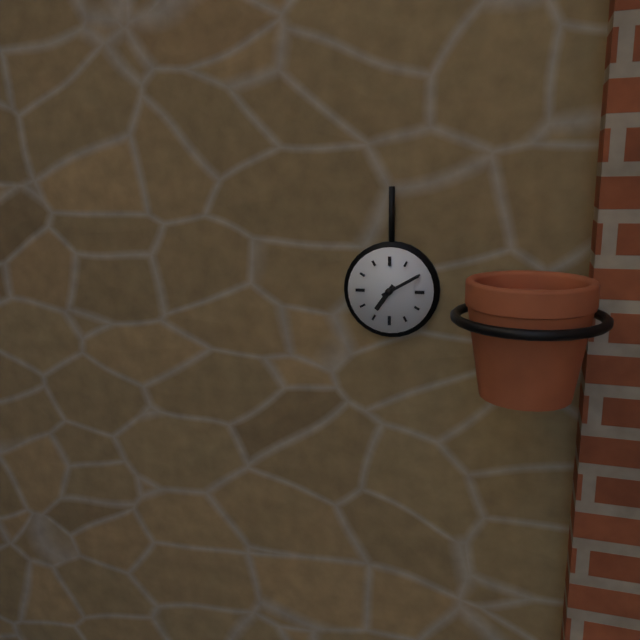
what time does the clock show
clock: 7:10
